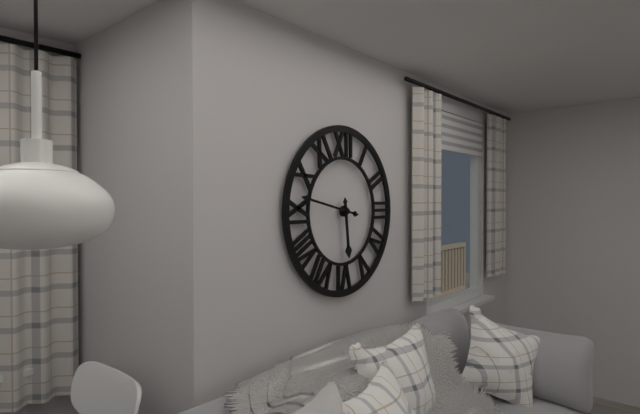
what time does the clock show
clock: 5:47
